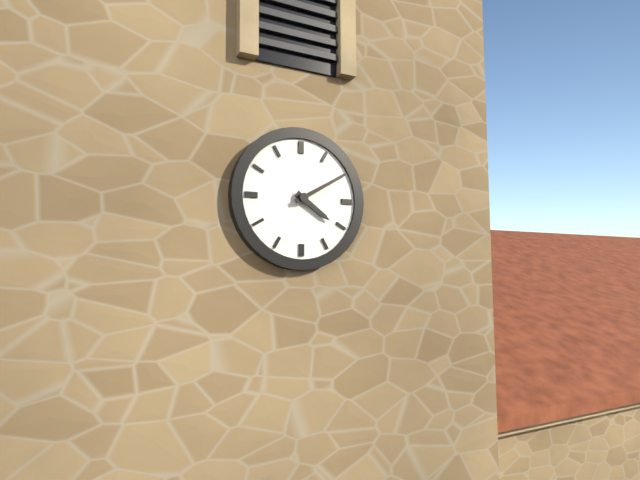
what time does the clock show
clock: 4:10
